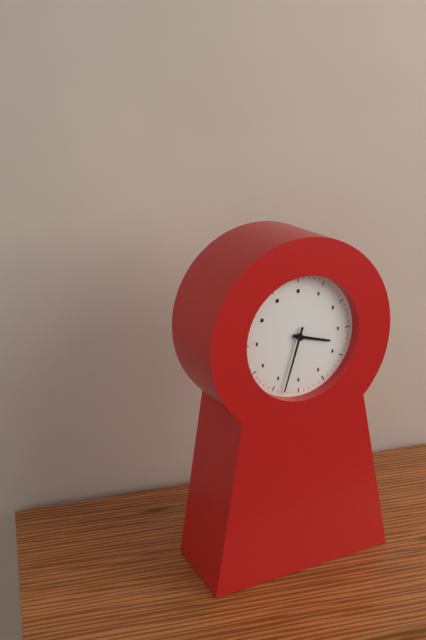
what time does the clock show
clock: 3:33
